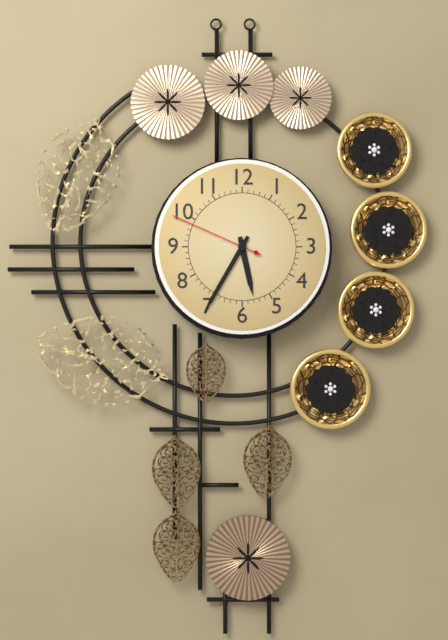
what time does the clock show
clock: 5:35:49
